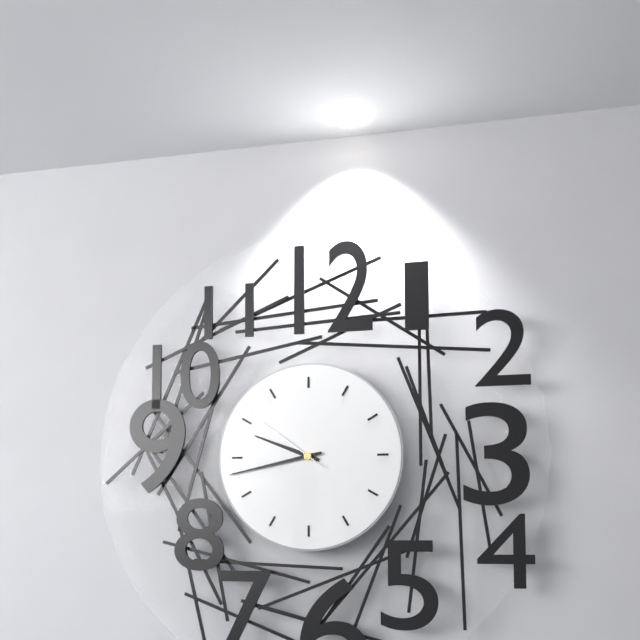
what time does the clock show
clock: 9:43:51
